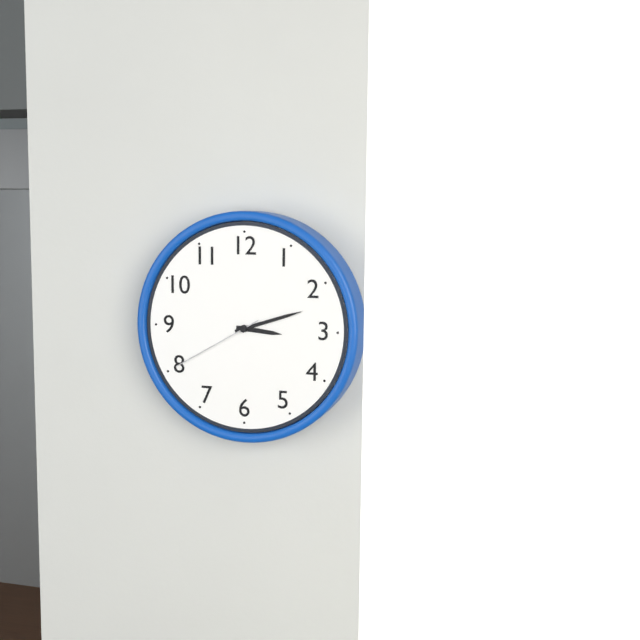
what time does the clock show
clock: 3:12:40
